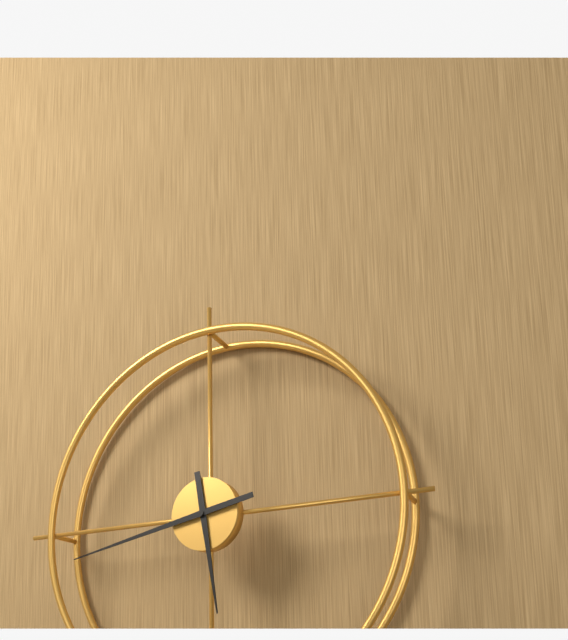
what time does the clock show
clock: 5:43
